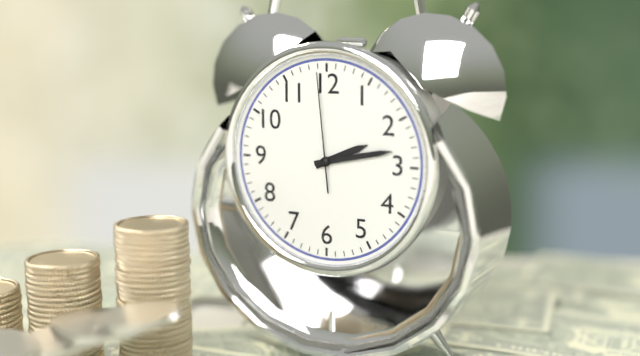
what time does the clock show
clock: 2:13:59
